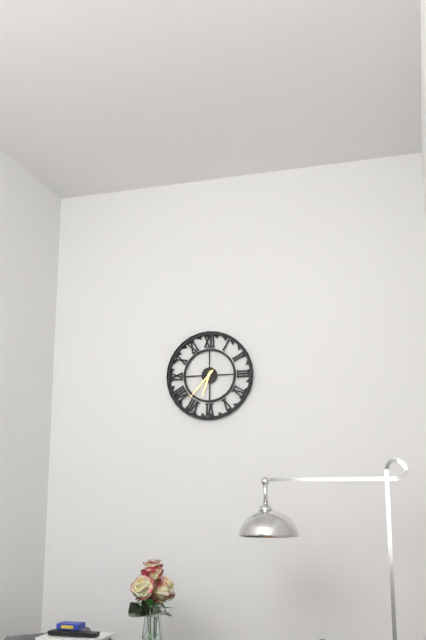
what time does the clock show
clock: 6:37
